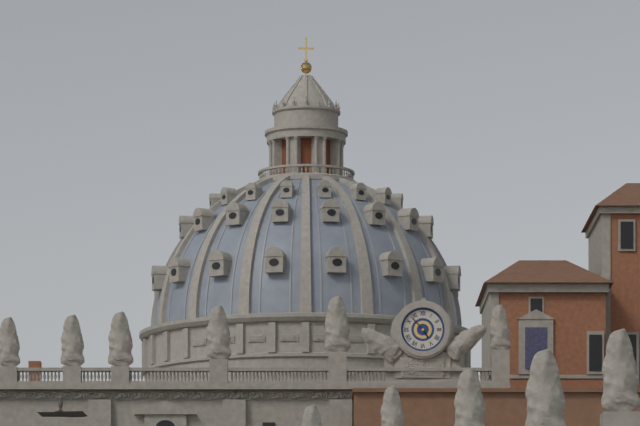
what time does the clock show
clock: 4:53
